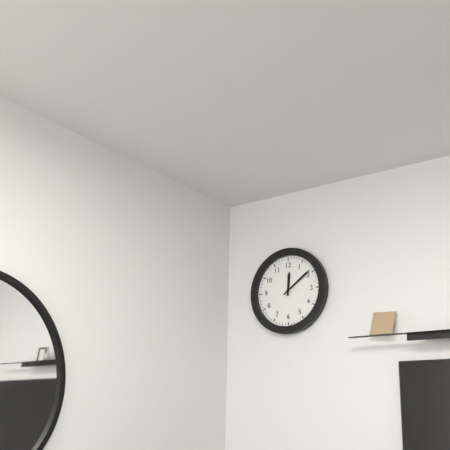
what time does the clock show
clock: 12:09
